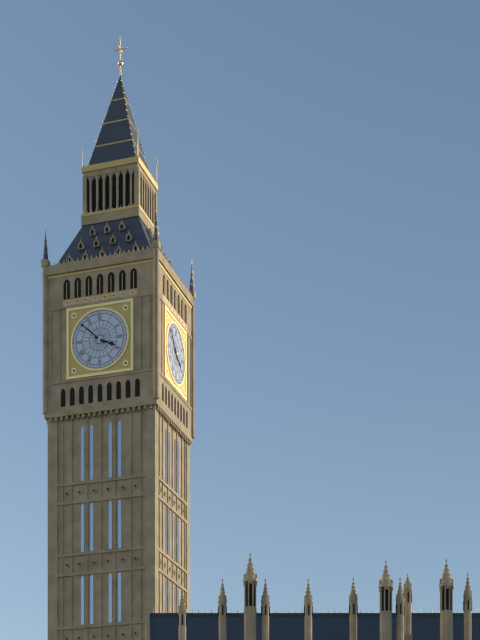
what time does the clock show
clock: 3:52
